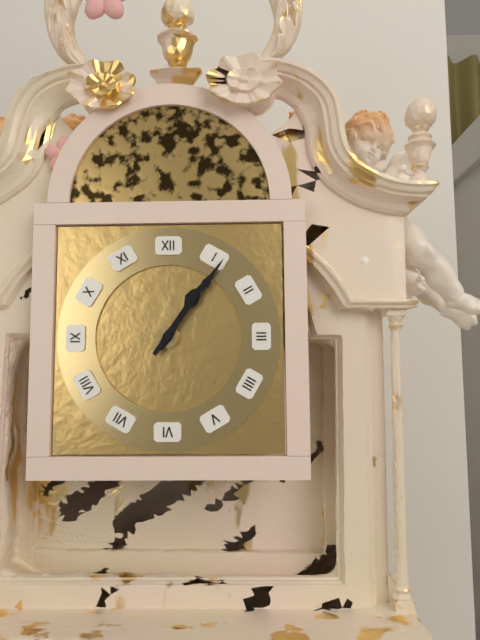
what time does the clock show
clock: 1:06
